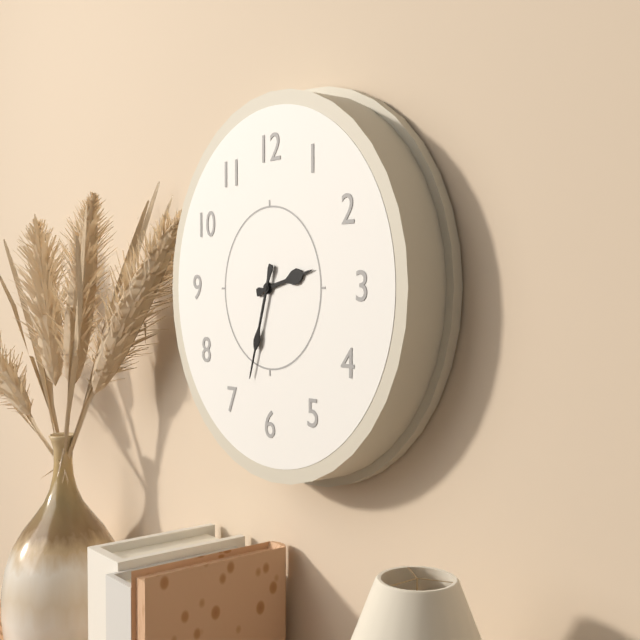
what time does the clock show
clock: 2:33
